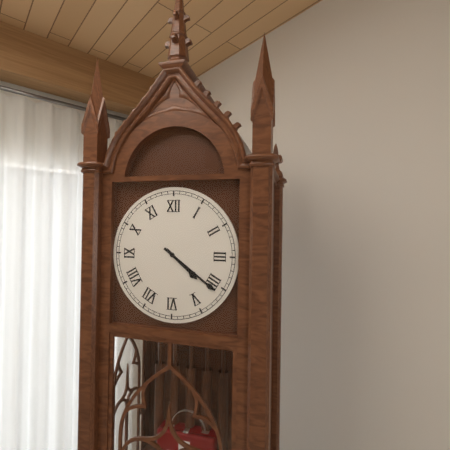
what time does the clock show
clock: 4:21
